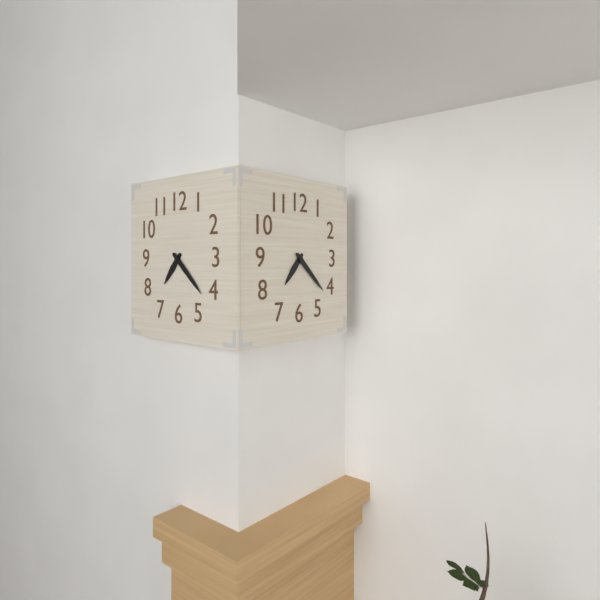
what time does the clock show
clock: 7:22
